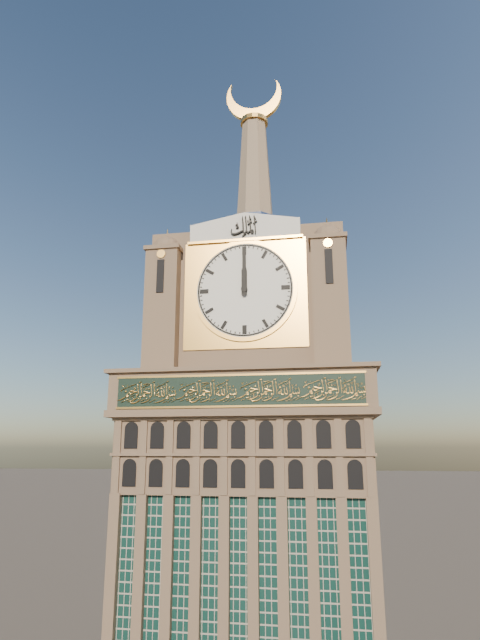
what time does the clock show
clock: 12:00
